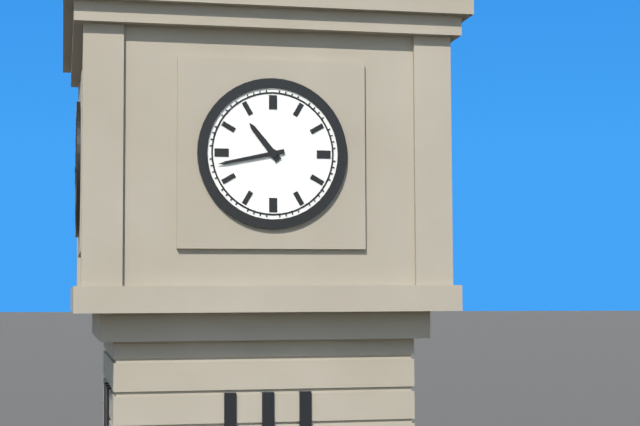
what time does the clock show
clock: 10:43
